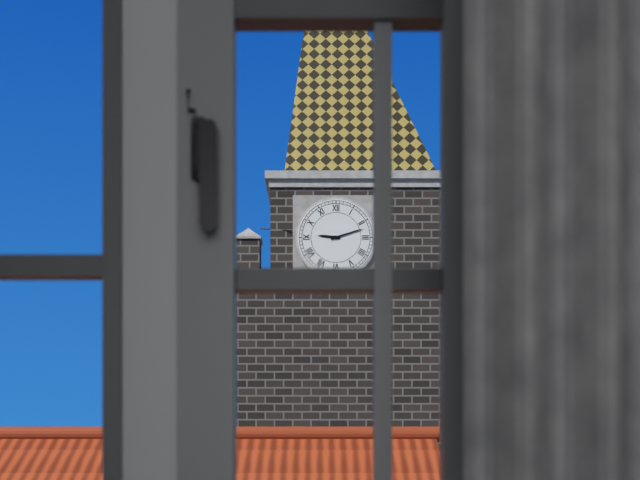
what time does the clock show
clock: 9:12
